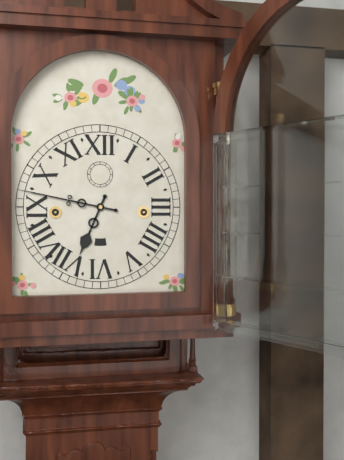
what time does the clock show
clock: 6:47
